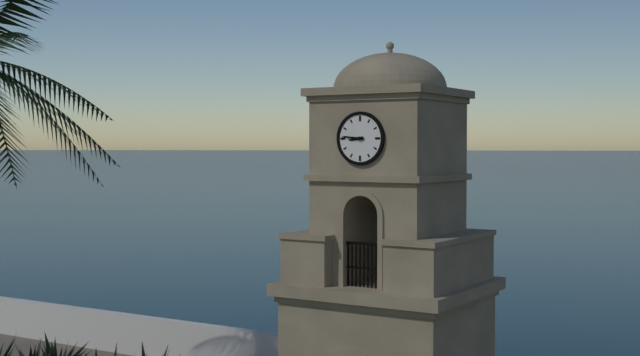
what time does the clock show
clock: 8:46
